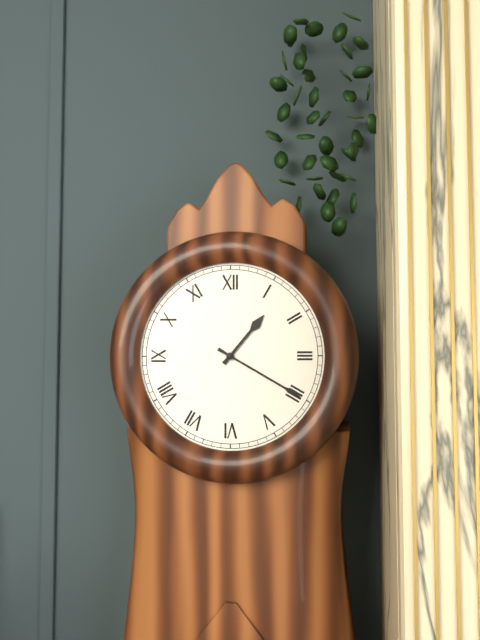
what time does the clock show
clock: 1:20
